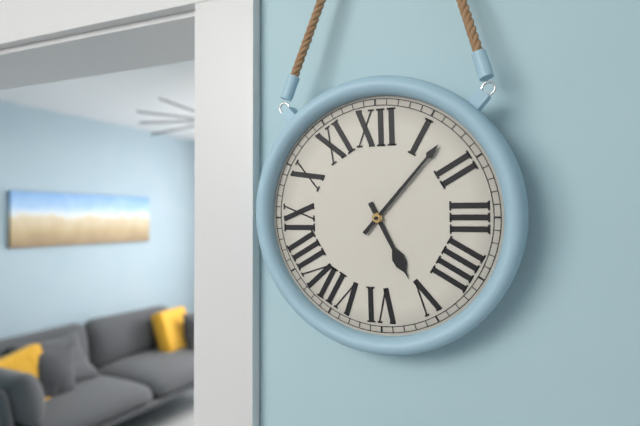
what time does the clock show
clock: 5:07
